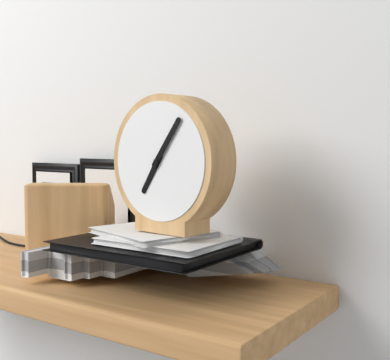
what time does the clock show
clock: 7:06
